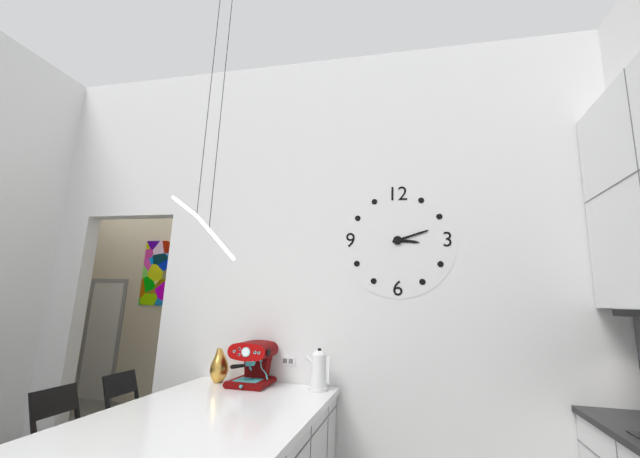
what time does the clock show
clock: 3:12
